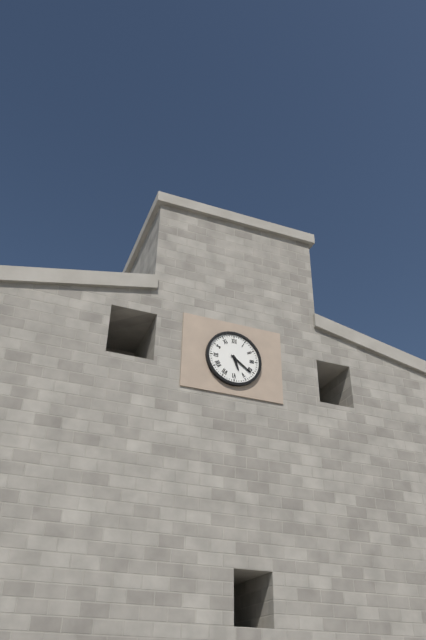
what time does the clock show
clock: 5:21
